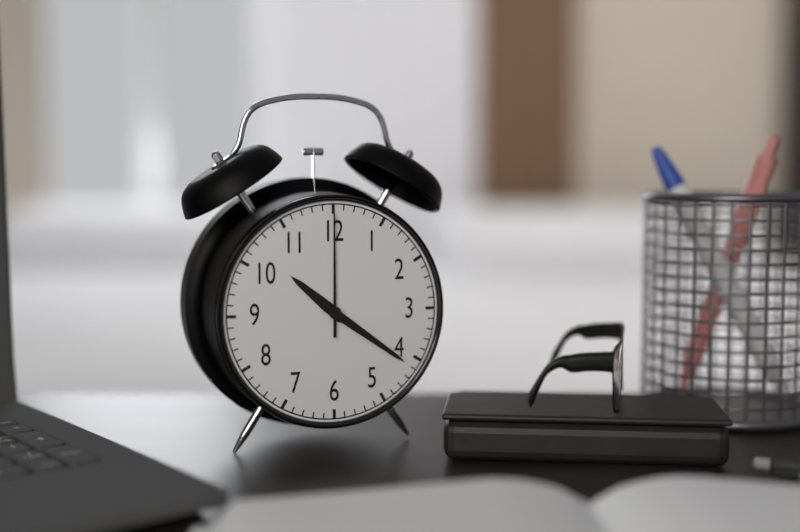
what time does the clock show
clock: 10:21:00
